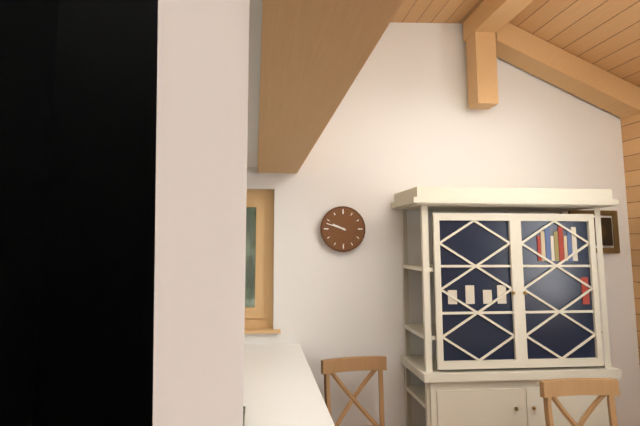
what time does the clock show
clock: 9:48
